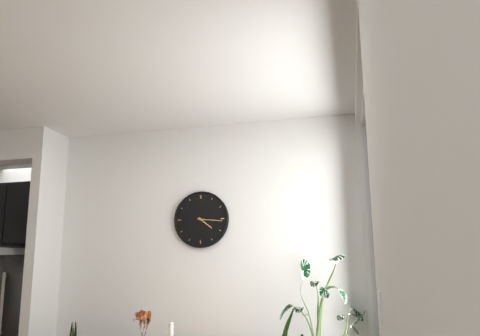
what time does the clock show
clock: 4:16
